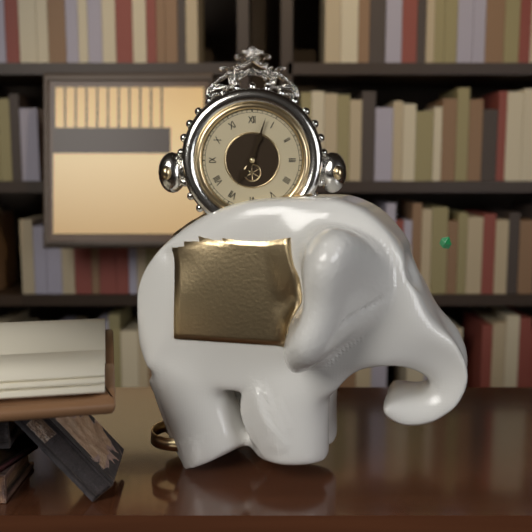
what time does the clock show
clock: 7:03
